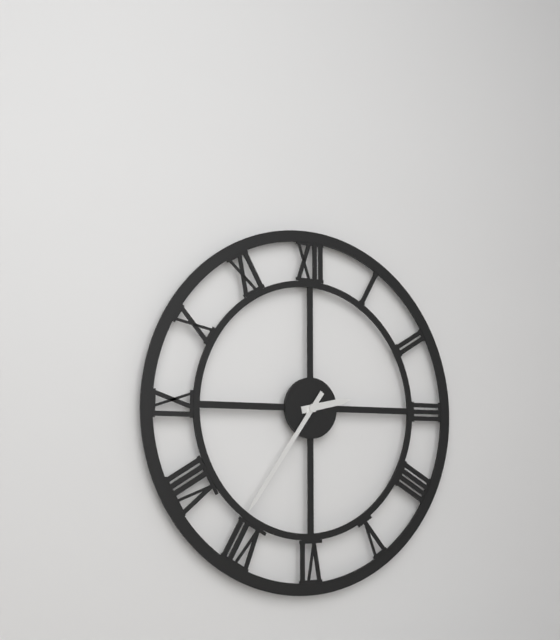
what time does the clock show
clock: 2:36
